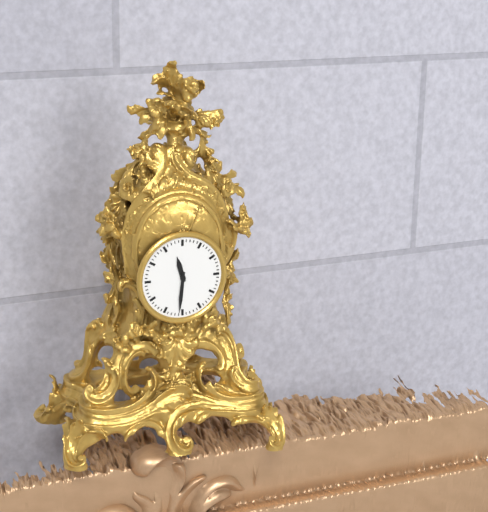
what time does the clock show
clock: 11:31
